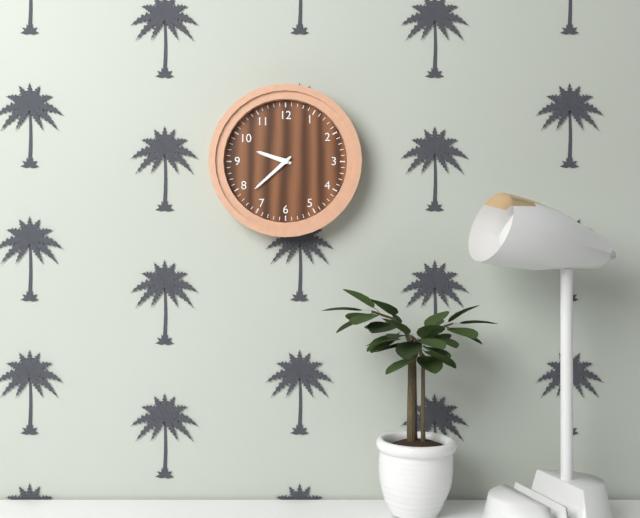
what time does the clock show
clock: 9:38
